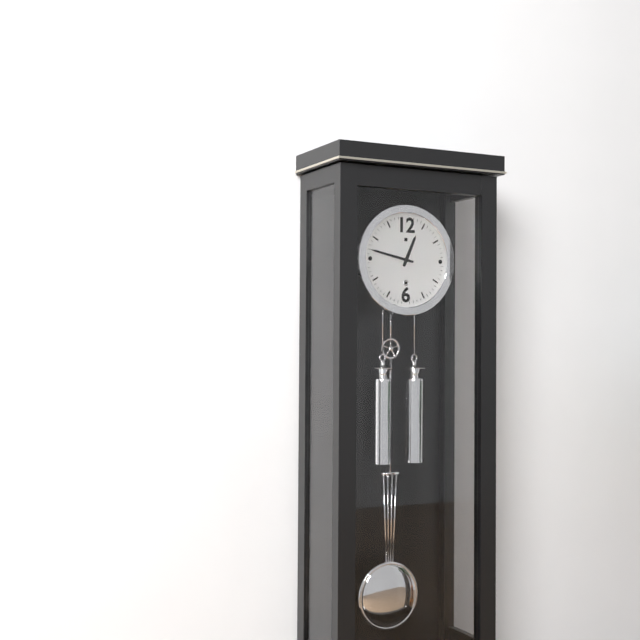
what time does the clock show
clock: 12:47
